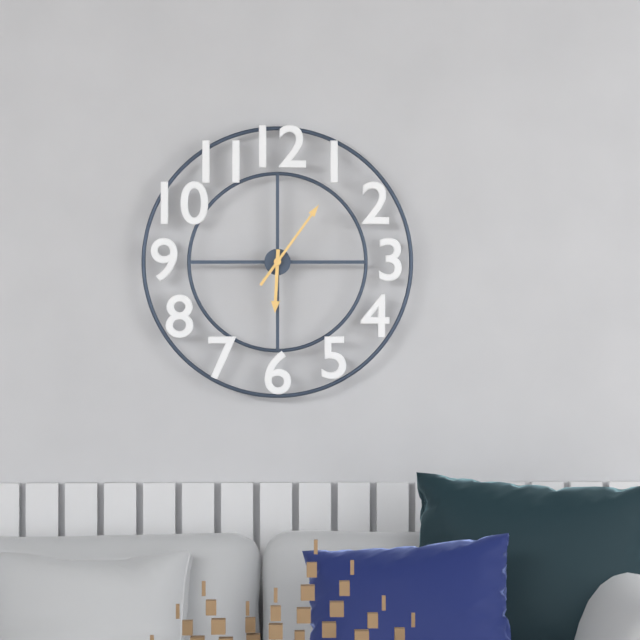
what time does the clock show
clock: 6:06
